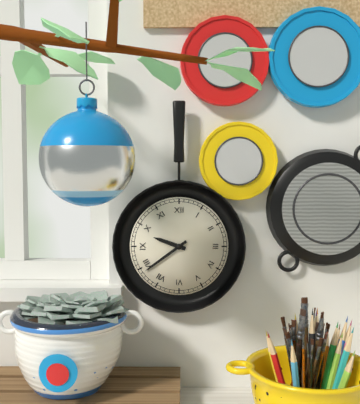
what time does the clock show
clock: 9:39
